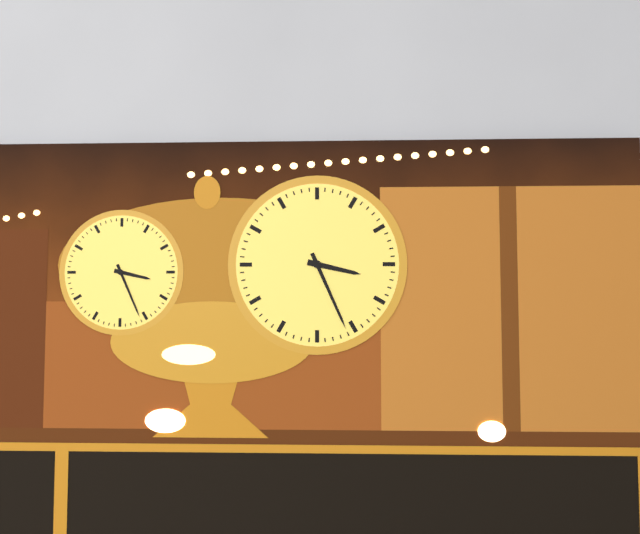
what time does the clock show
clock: 3:26
